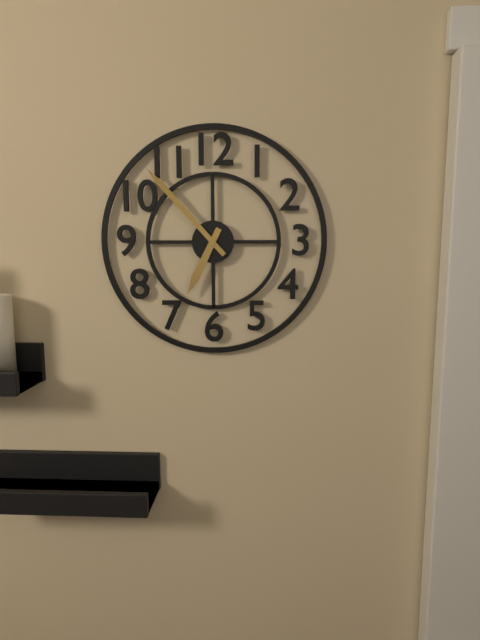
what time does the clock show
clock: 6:53
